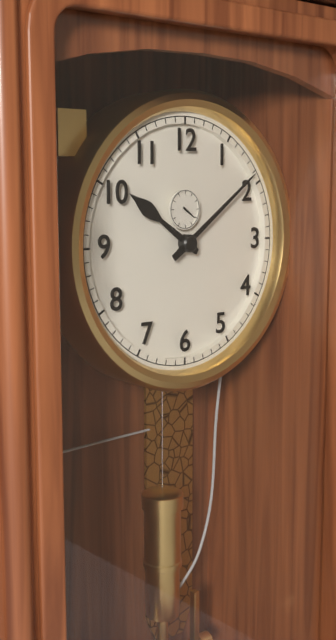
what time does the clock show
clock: 10:09
